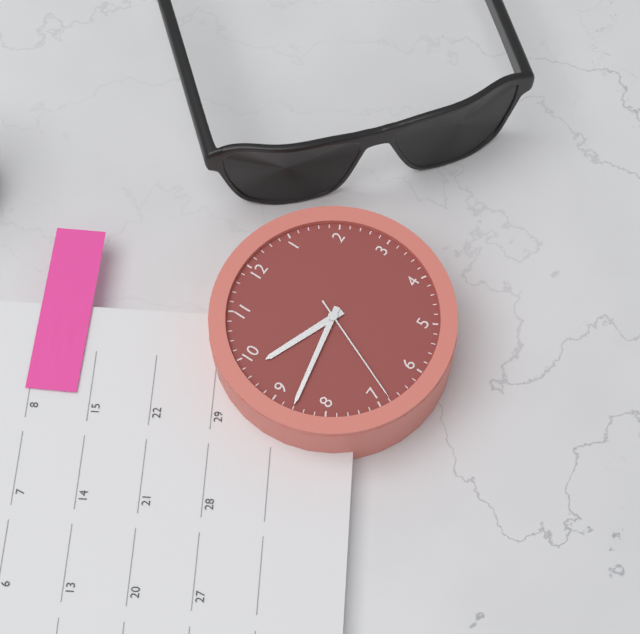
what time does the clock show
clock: 9:43:34
